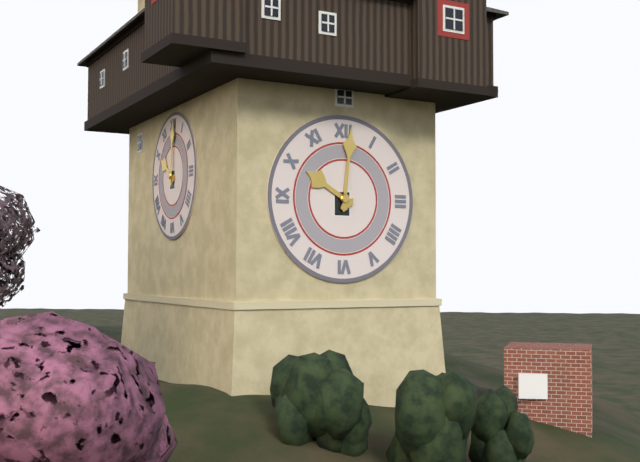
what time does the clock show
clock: 10:01
